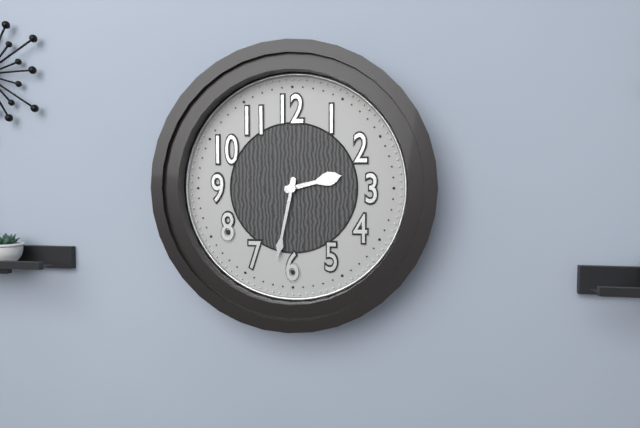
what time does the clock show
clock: 2:32
